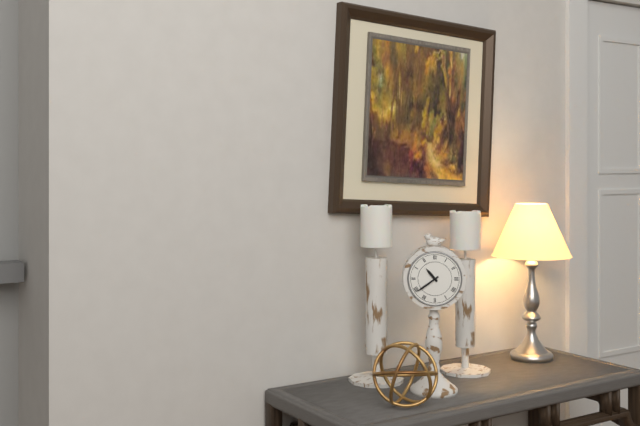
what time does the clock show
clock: 10:39
